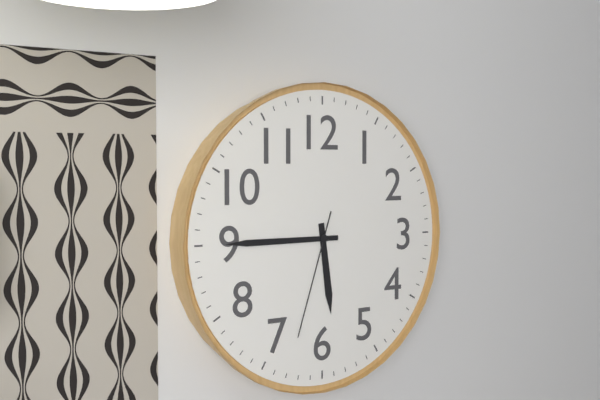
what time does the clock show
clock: 5:45:33
